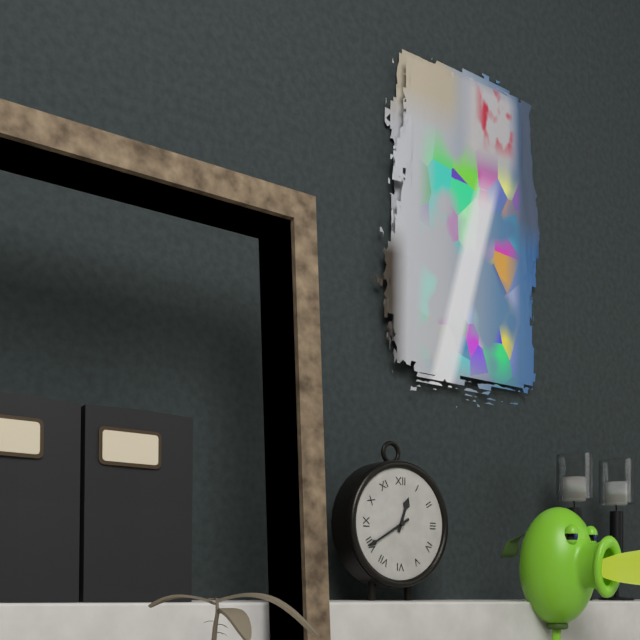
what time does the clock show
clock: 12:40
